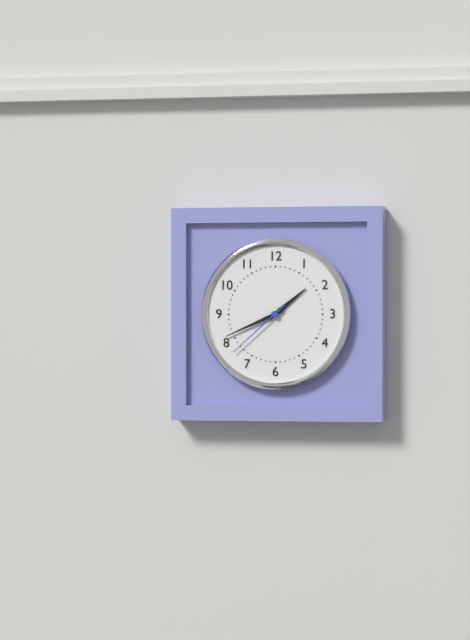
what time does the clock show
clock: 1:41:38
